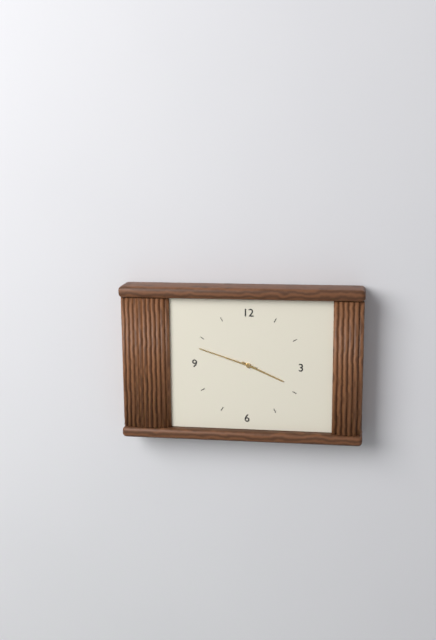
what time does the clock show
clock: 3:48
